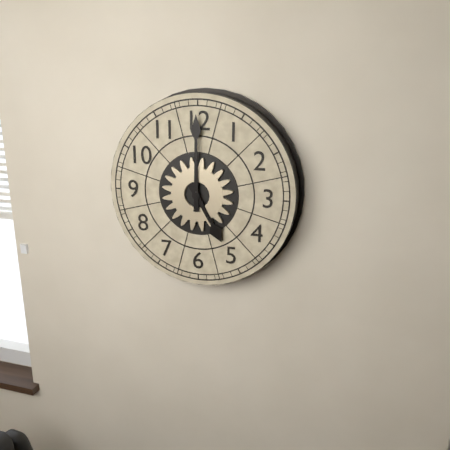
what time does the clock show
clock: 5:00
